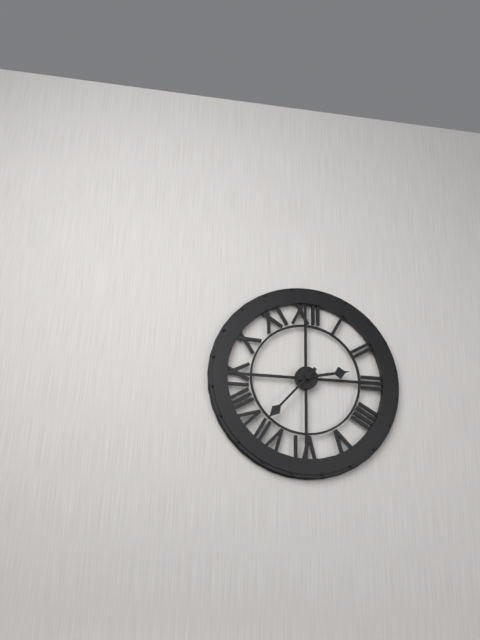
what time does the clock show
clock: 2:37
